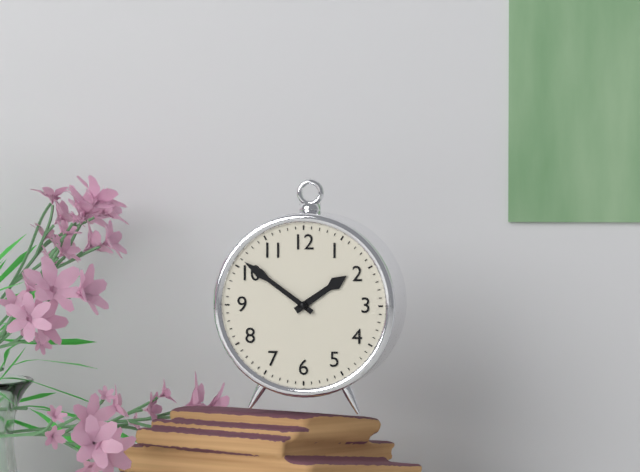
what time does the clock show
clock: 1:51
